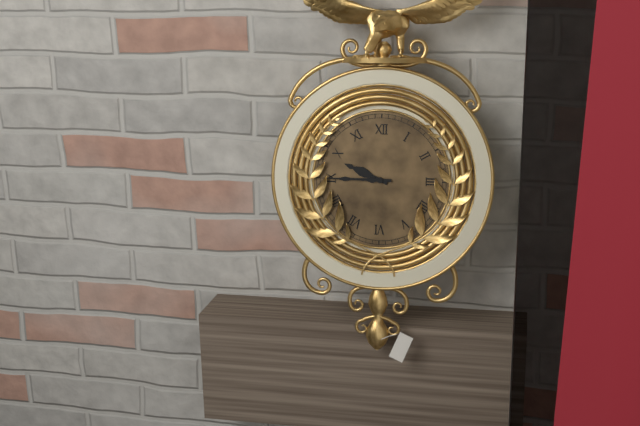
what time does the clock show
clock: 9:45
